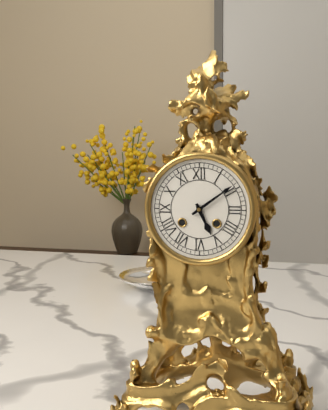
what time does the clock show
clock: 5:09
